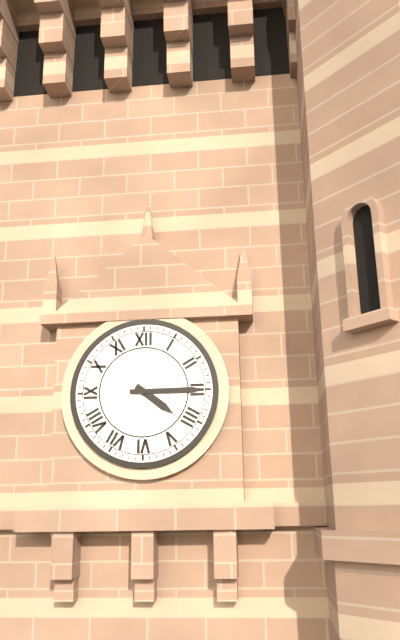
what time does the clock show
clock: 4:15
